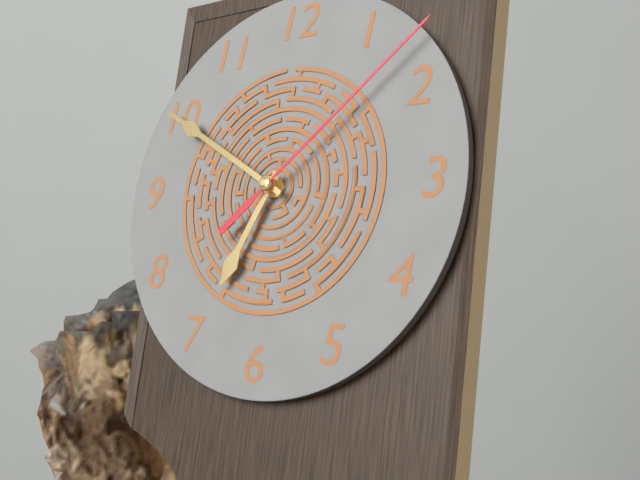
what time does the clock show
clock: 6:50:08
